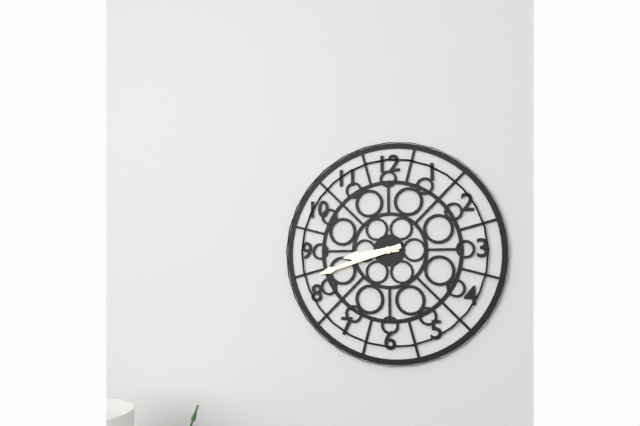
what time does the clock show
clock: 8:42
